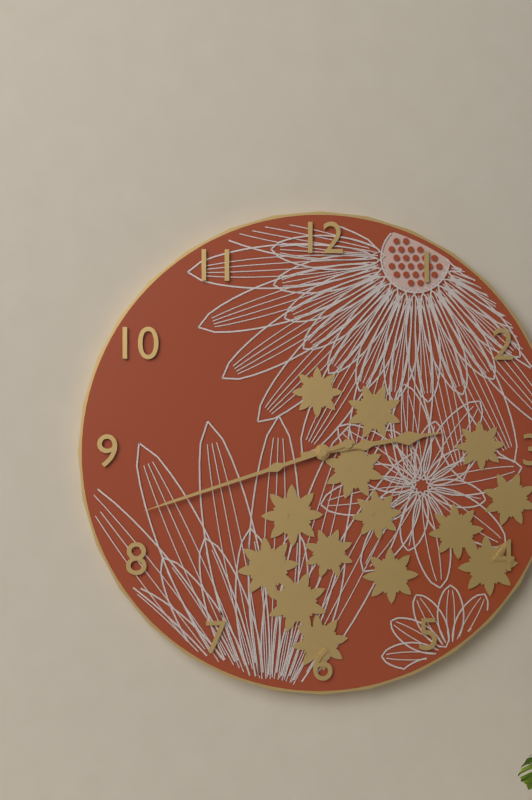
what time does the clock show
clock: 2:42
